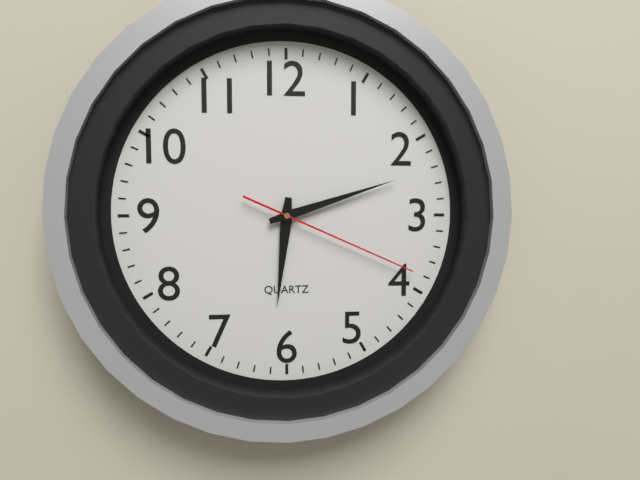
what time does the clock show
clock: 6:12:19
